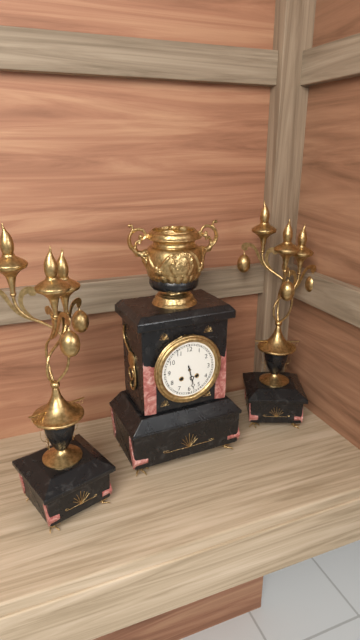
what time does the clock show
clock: 5:28
